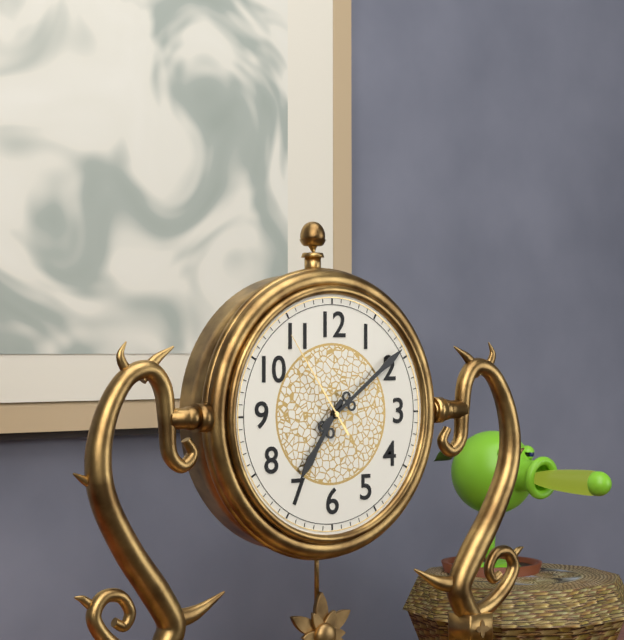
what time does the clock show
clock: 7:09:54
